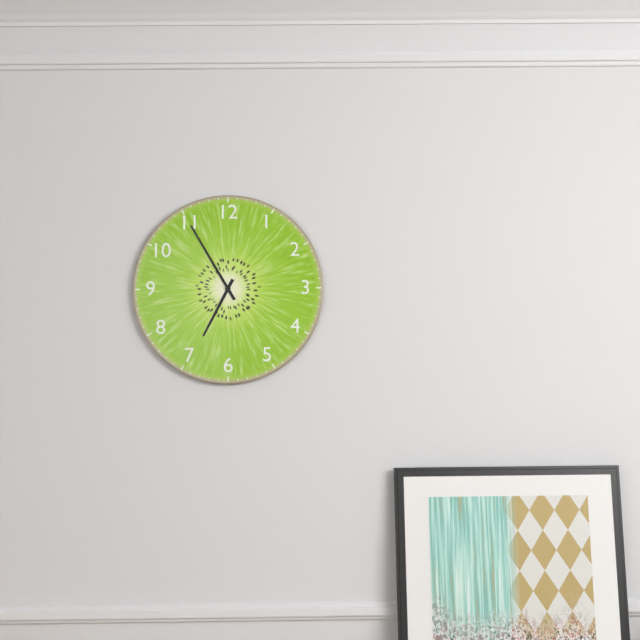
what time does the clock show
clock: 6:55
